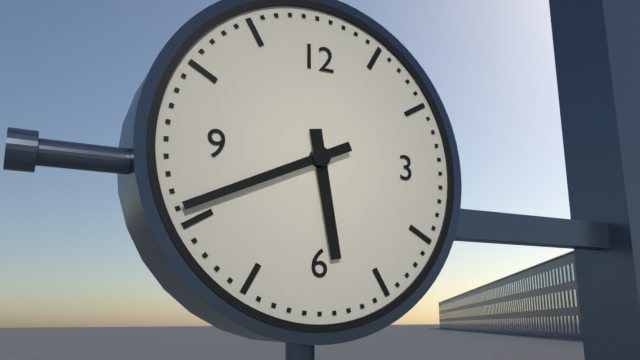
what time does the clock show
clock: 5:41
